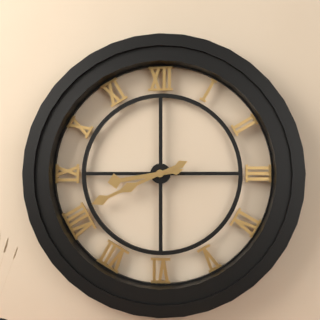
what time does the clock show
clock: 8:41
